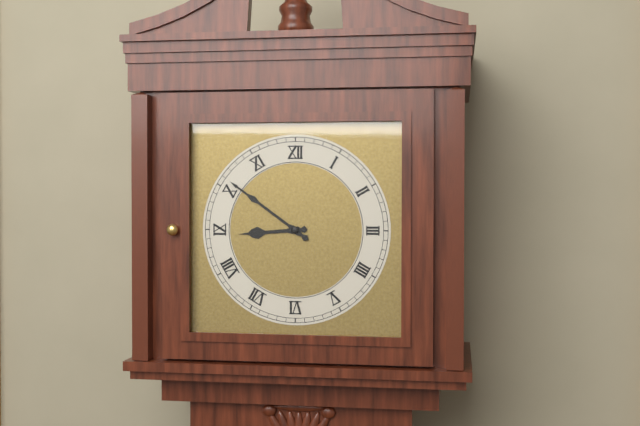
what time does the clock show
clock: 8:51
